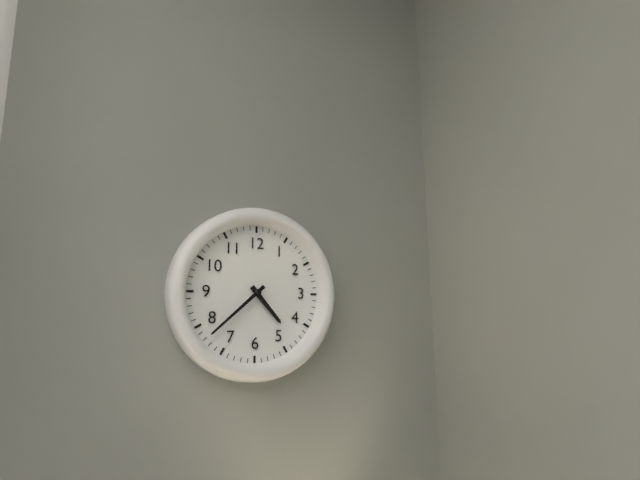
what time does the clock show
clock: 4:38
